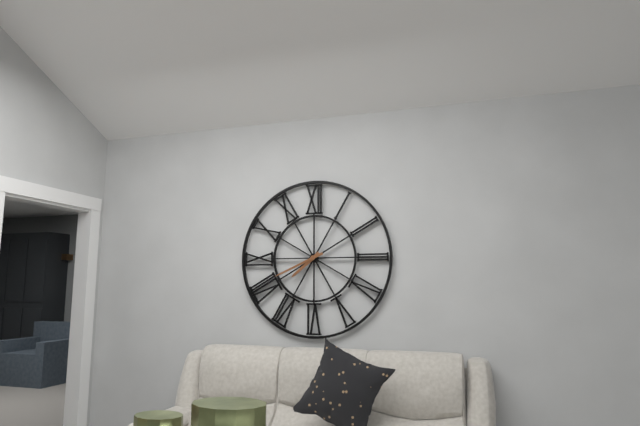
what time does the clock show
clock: 7:41
